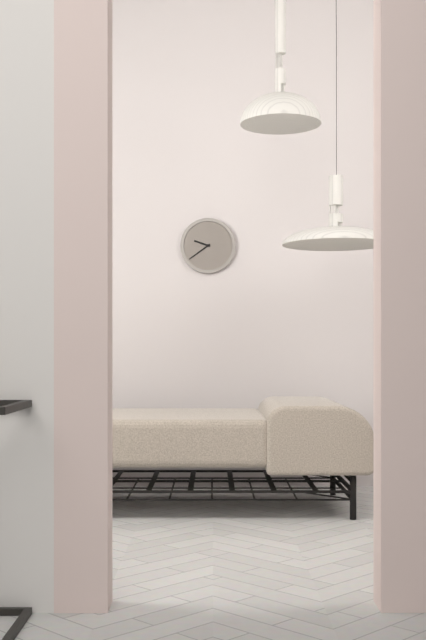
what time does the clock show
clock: 9:39
